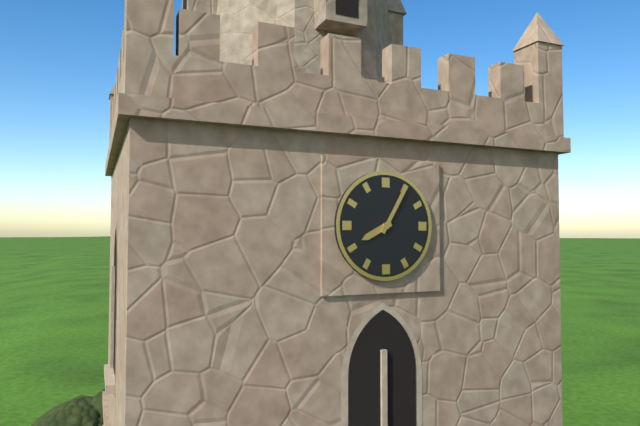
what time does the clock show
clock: 8:05
